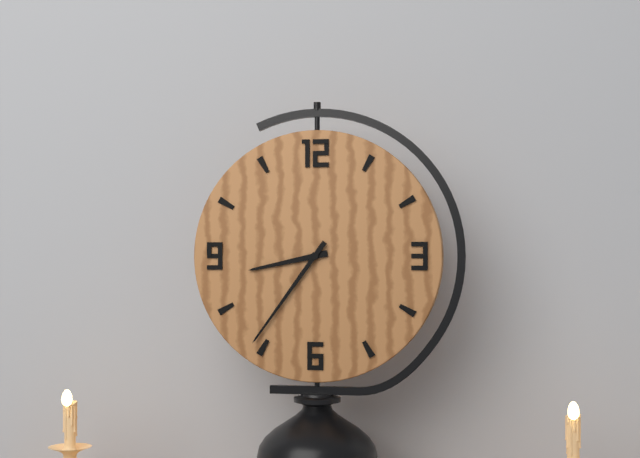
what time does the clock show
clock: 8:36
